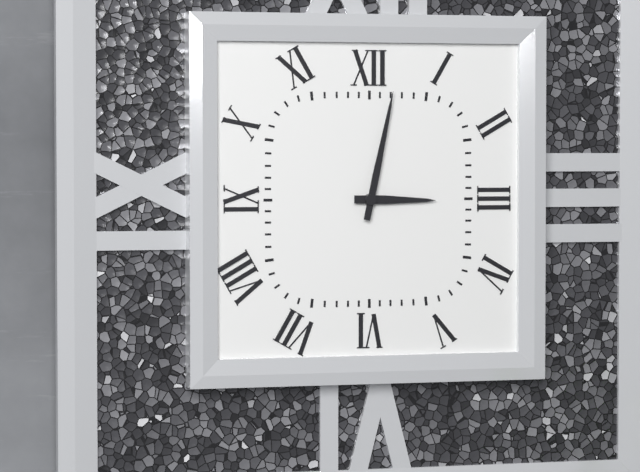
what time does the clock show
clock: 3:02
